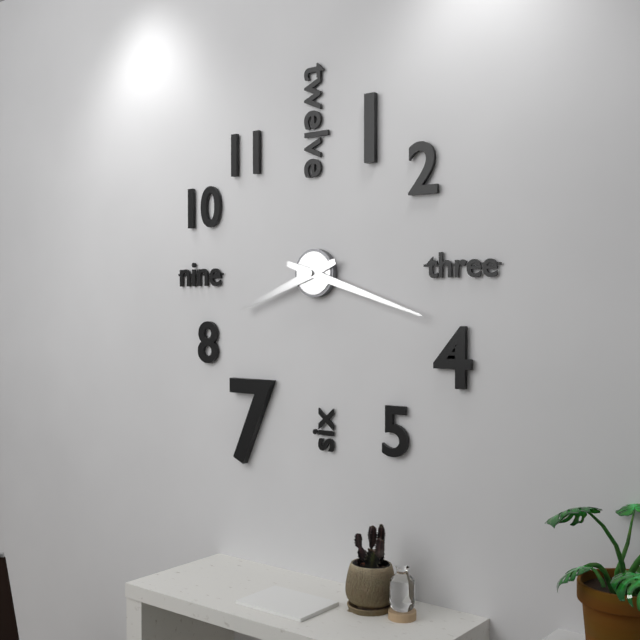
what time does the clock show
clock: 8:18
